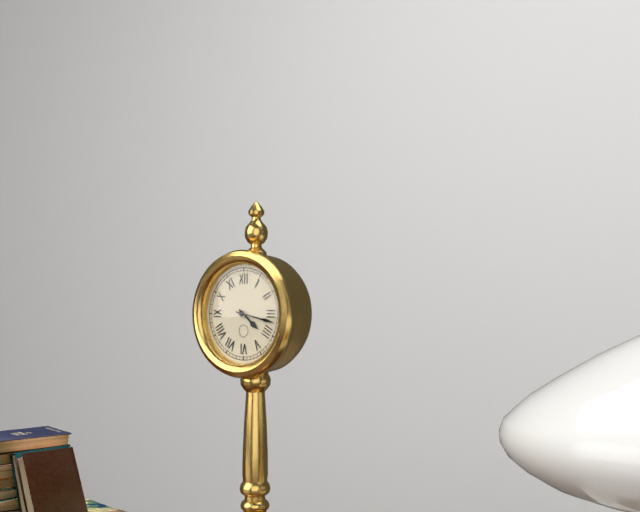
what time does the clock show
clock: 4:17
